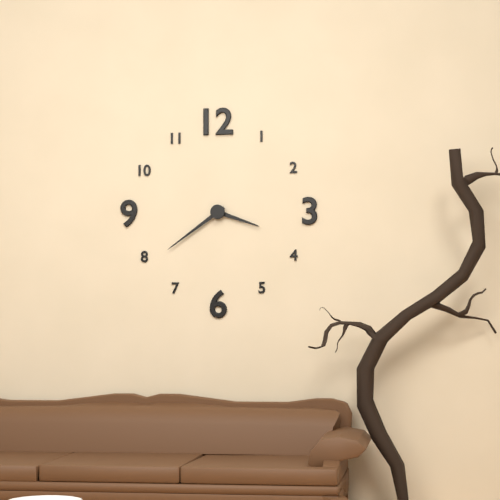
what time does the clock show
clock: 3:39
